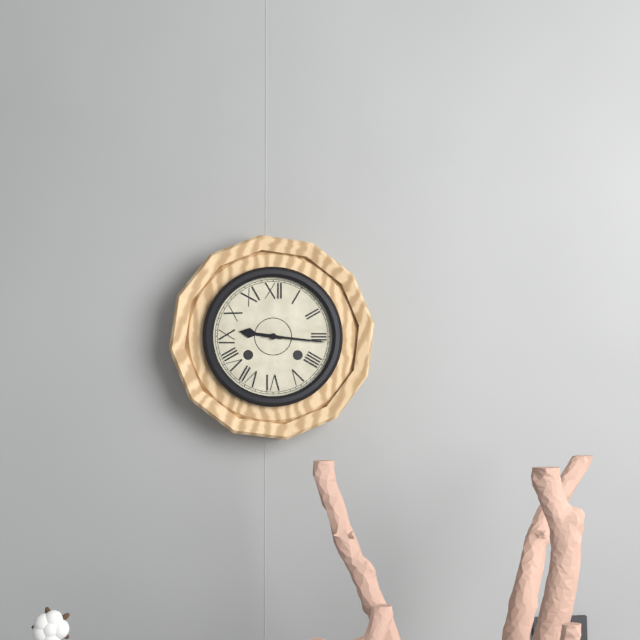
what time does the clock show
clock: 9:16
